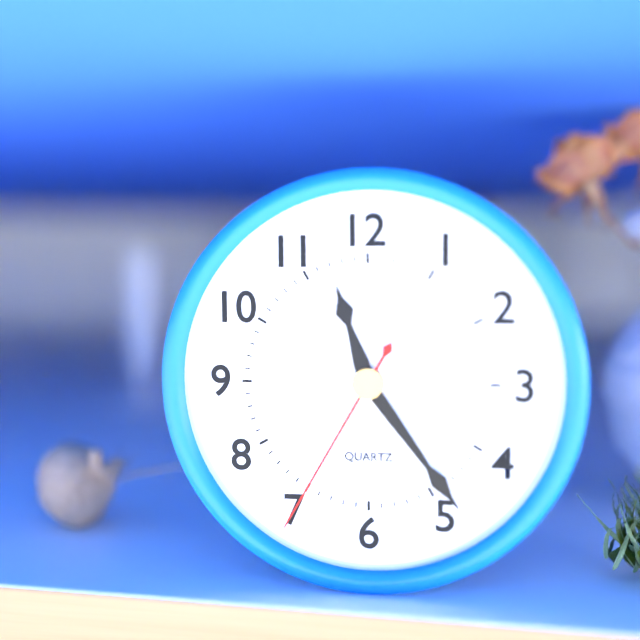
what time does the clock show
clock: 11:24:35
